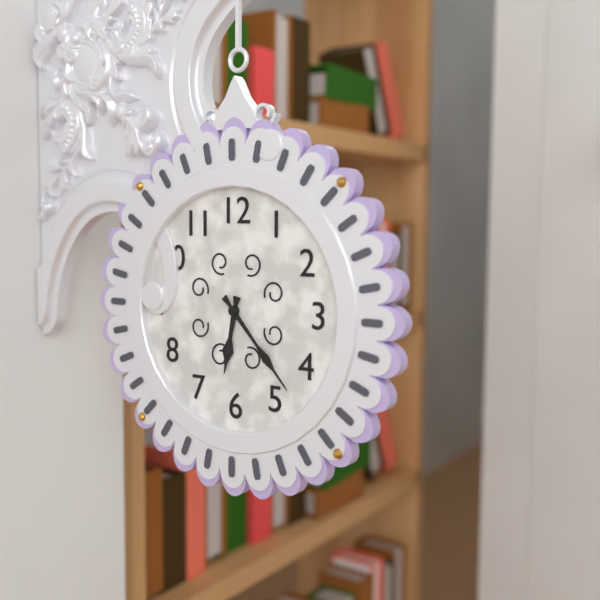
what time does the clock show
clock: 6:23
